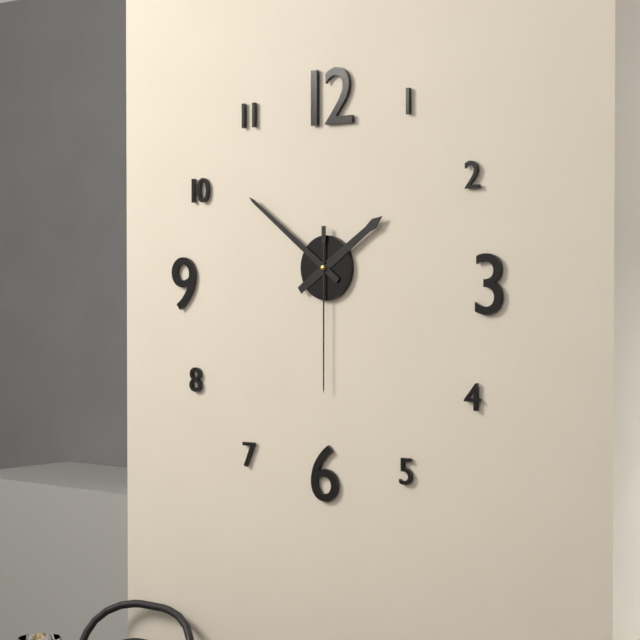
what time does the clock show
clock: 1:51:30
